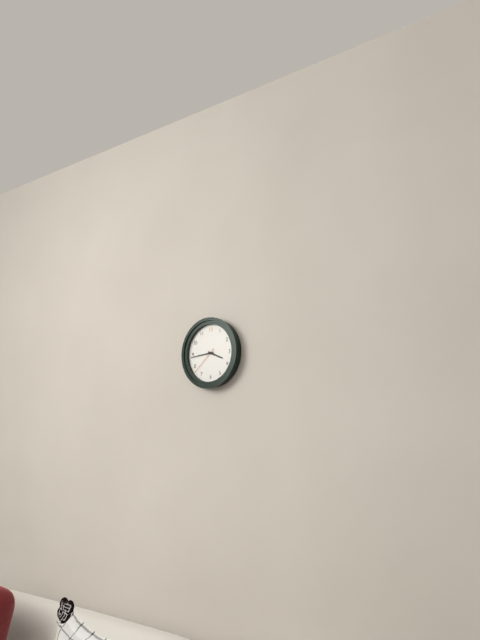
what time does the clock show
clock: 3:44
